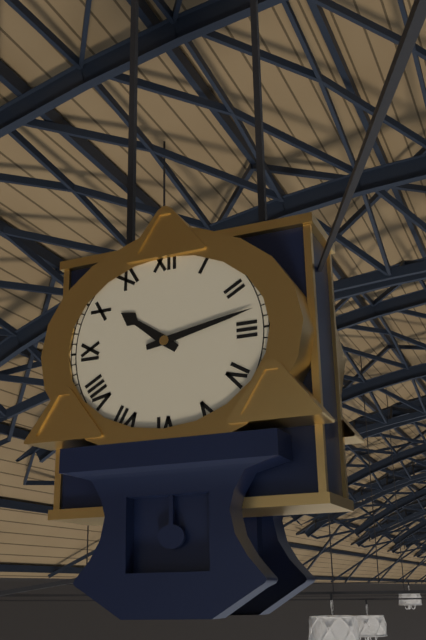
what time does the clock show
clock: 10:13
